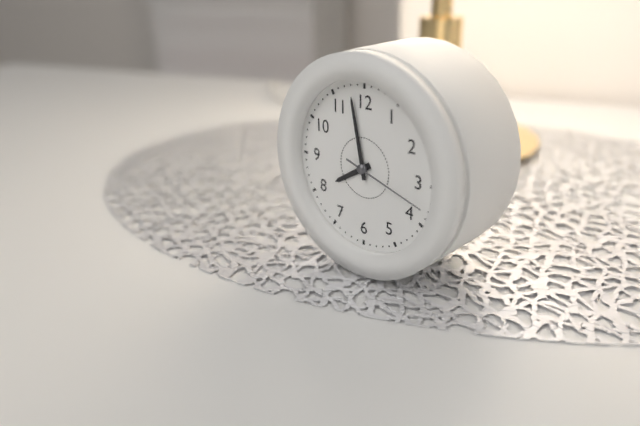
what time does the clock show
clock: 7:58:18
